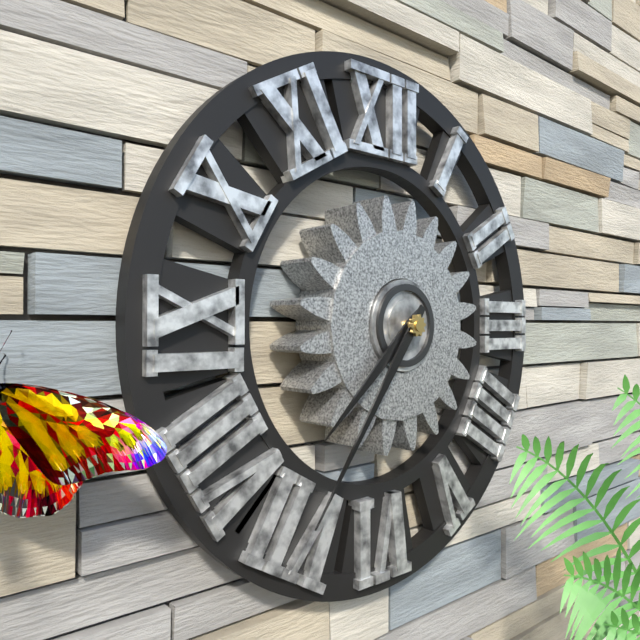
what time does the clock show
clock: 7:36
